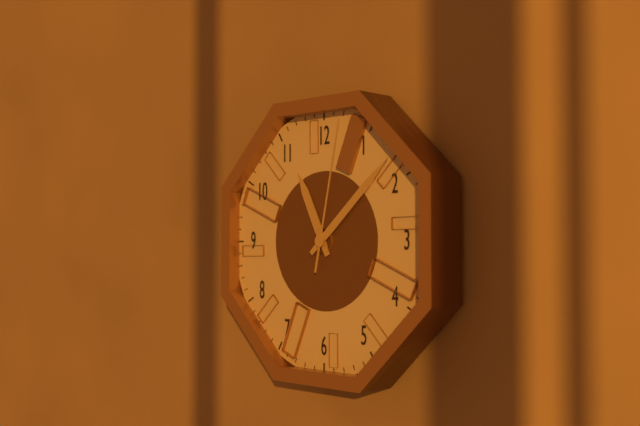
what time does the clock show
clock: 11:08:02
